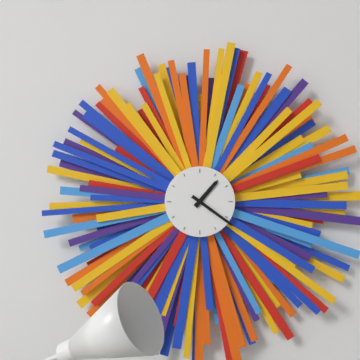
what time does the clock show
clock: 1:21
